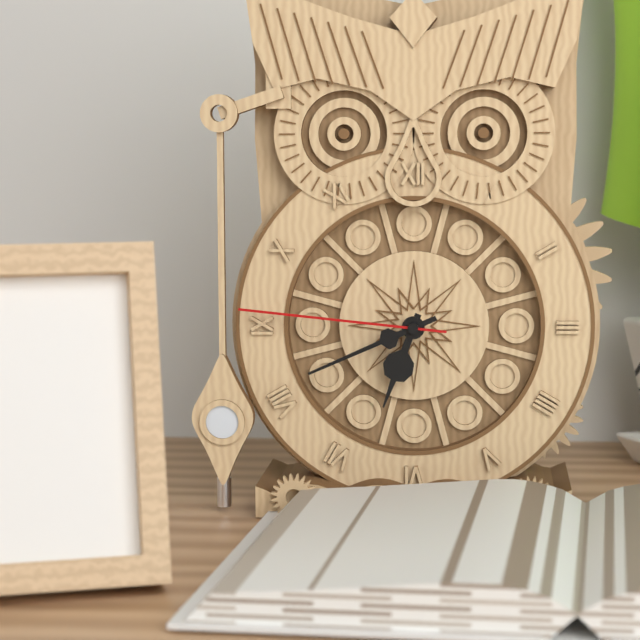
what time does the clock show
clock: 6:41:46
